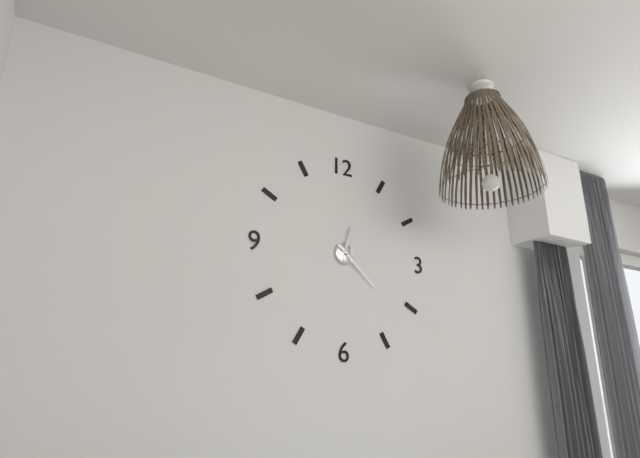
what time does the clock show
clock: 12:22
